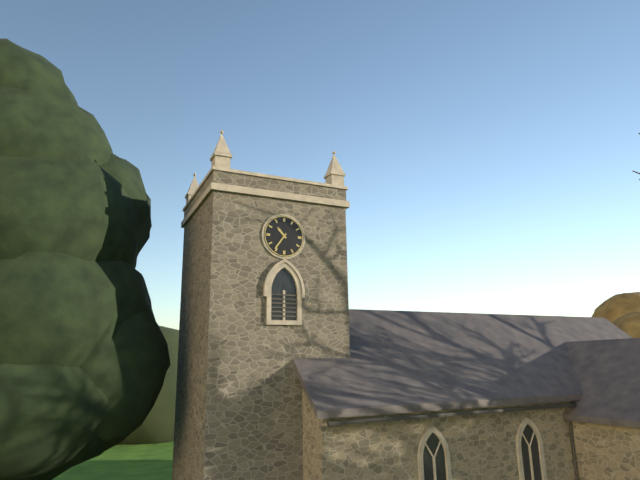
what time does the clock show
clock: 10:36
